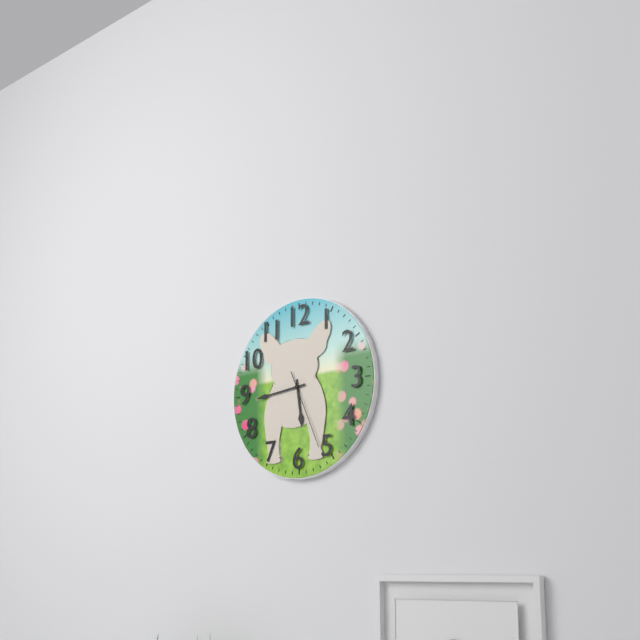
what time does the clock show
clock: 5:44:26
